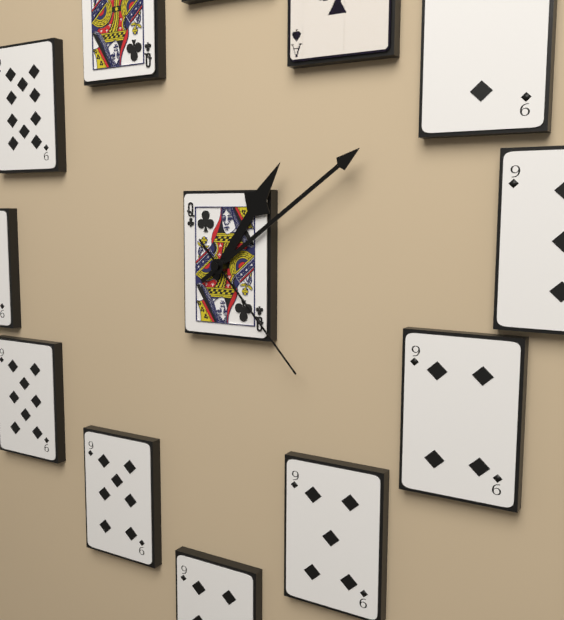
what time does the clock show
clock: 1:09:23
